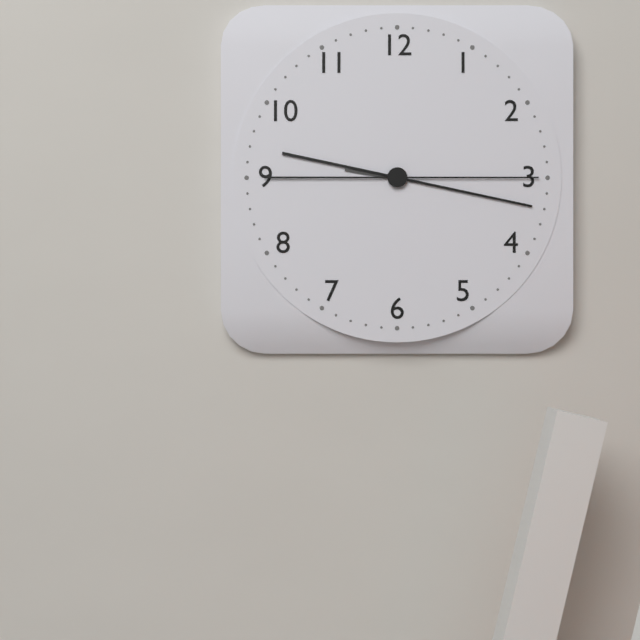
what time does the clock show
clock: 9:17:15
